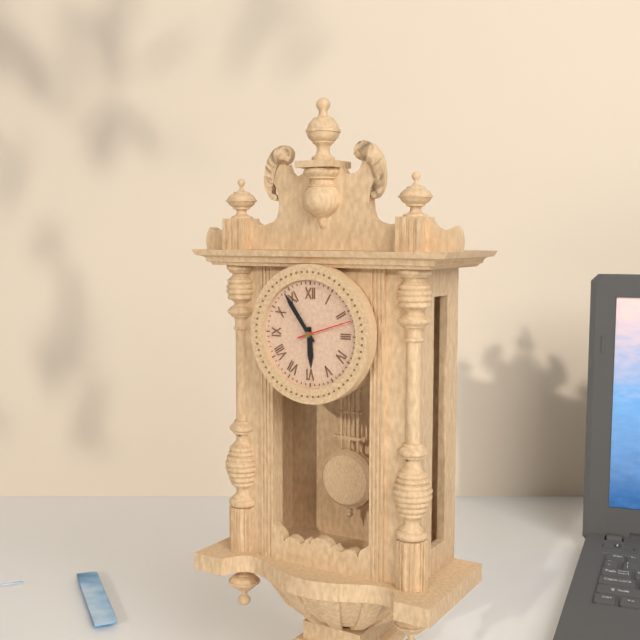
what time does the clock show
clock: 5:54:12
